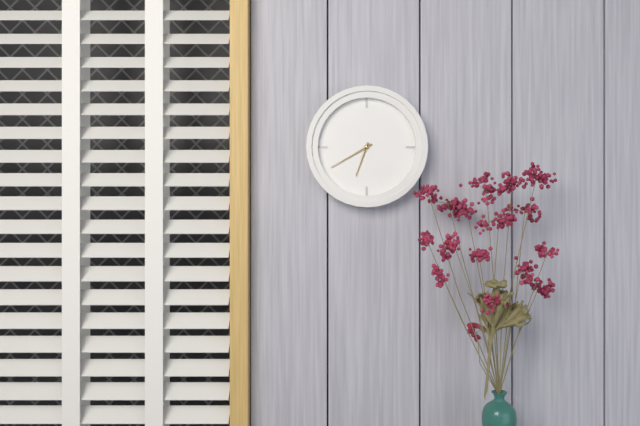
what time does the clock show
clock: 6:40
